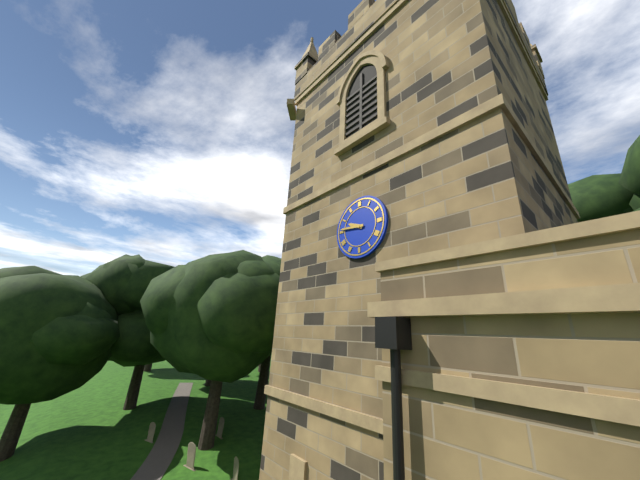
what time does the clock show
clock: 9:46
